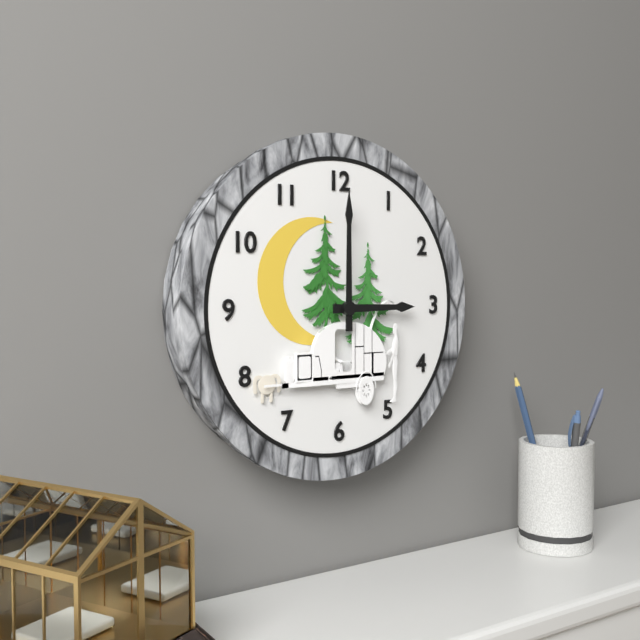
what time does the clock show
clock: 3:00
